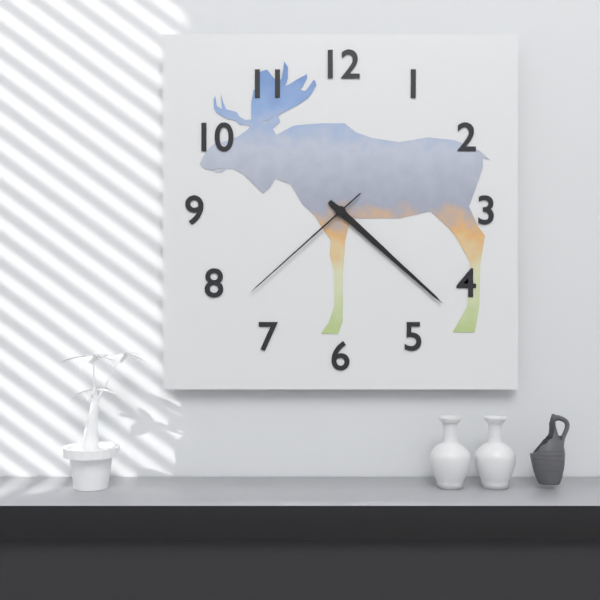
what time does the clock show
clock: 4:22:38
